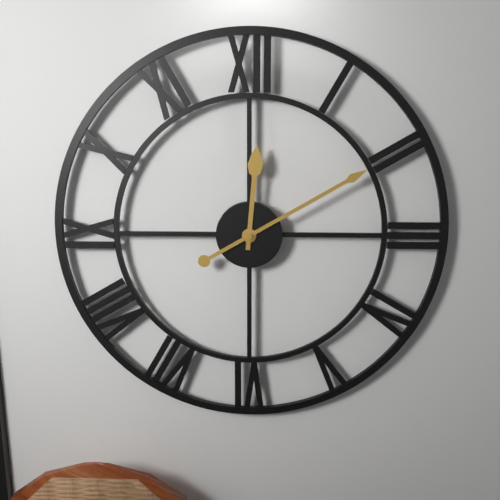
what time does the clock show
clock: 12:10
